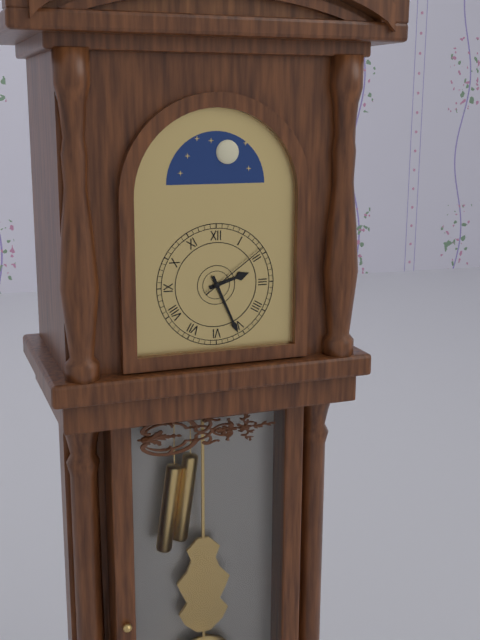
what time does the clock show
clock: 2:26:09
